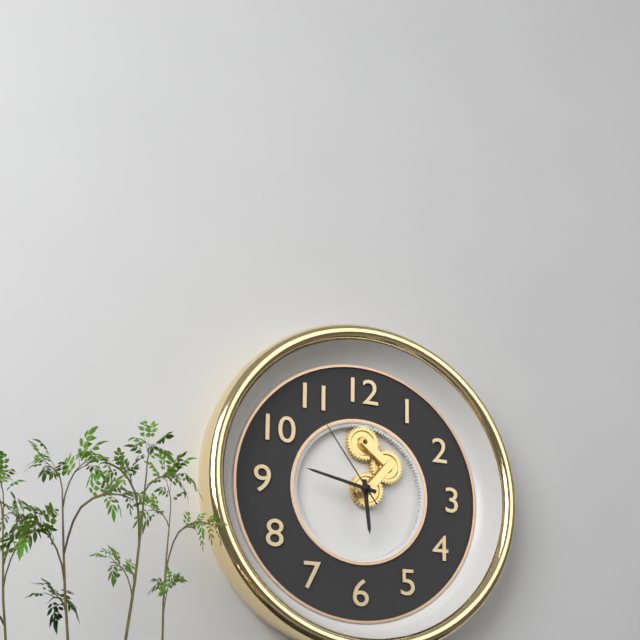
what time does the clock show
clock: 5:47:54
